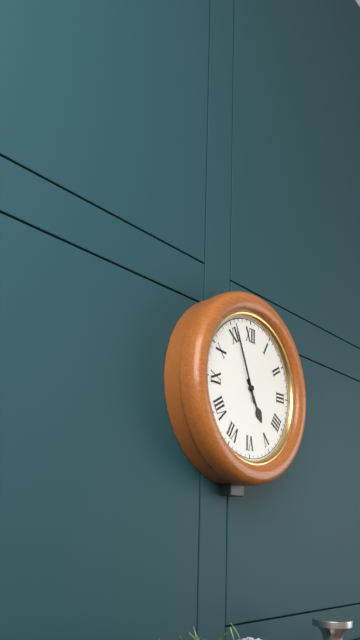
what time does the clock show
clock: 4:56
